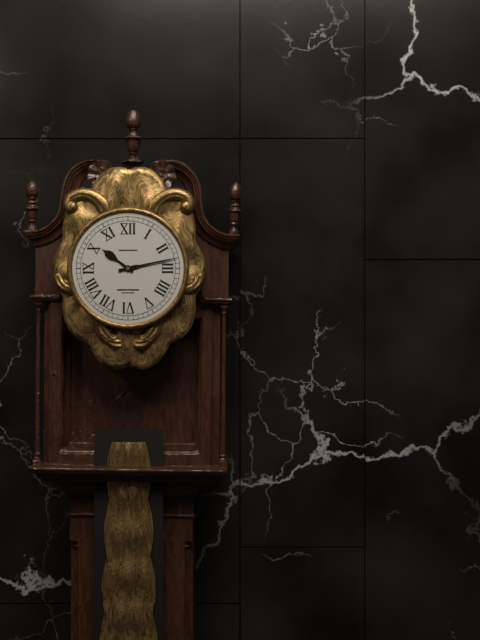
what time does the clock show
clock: 10:13
